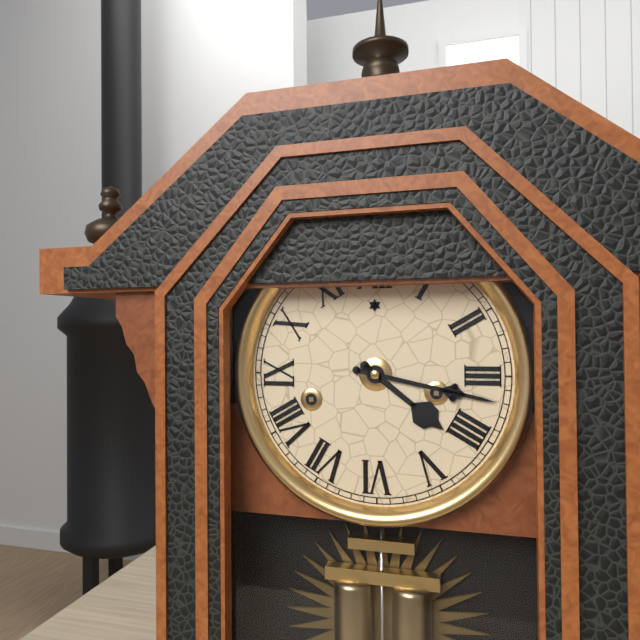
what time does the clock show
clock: 4:17
